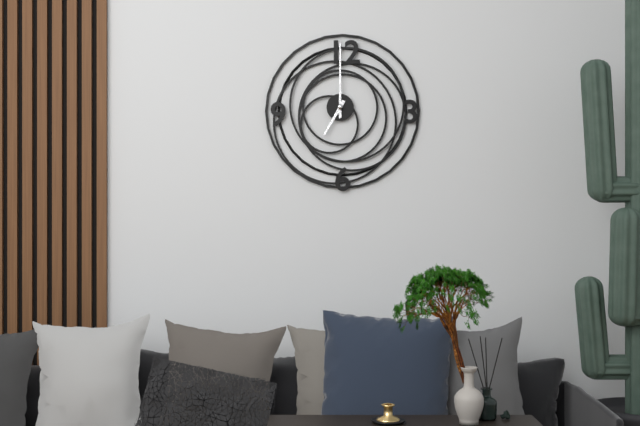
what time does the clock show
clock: 7:00
